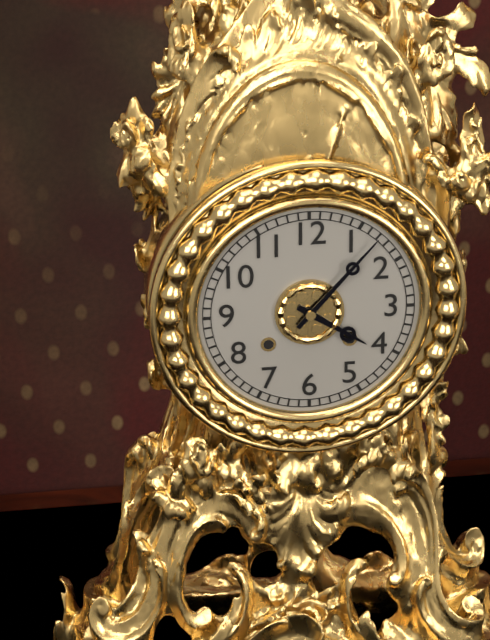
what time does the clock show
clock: 4:07
